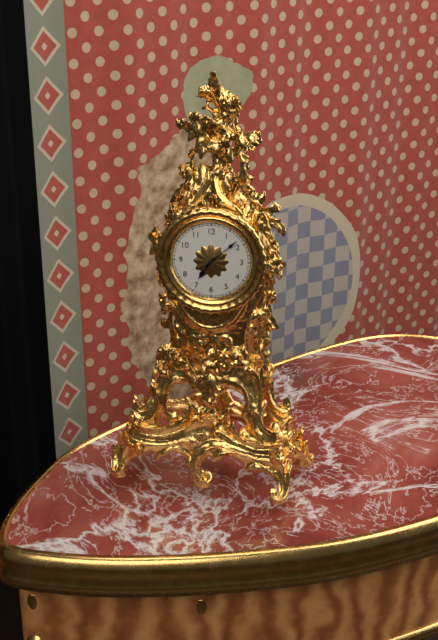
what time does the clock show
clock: 7:08
